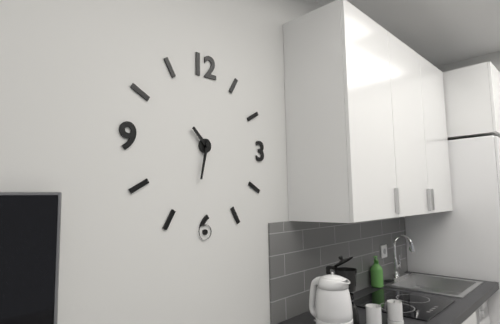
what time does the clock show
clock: 10:32
